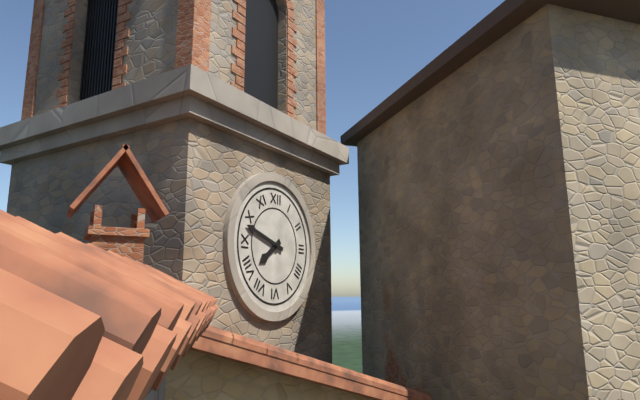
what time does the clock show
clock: 7:48
